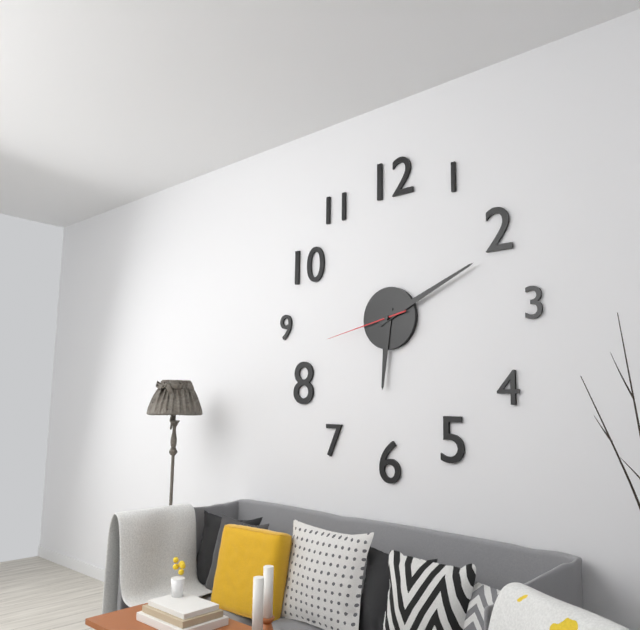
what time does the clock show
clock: 6:11:43
